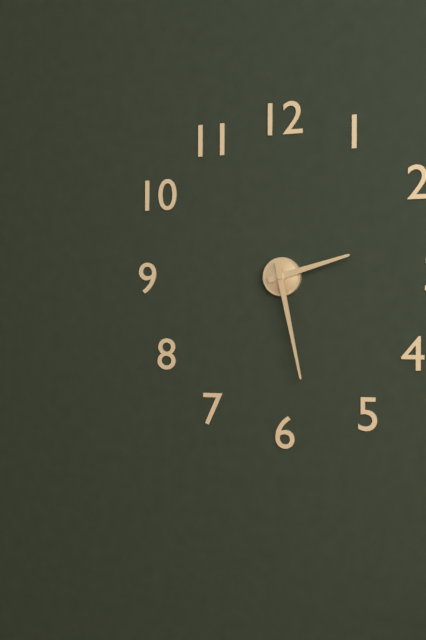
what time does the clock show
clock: 2:28
